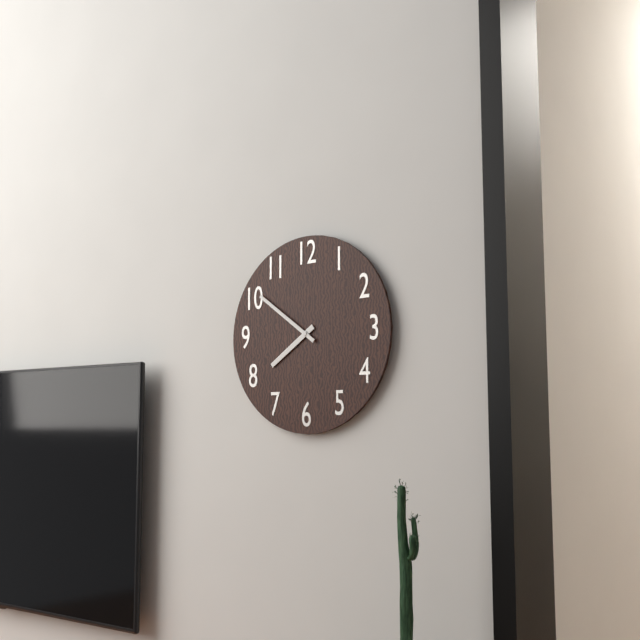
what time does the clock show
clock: 7:51
